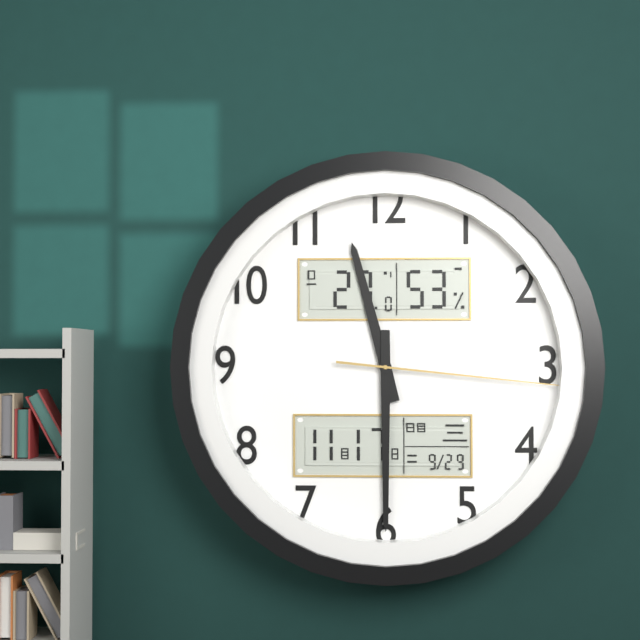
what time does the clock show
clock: 11:30:16
